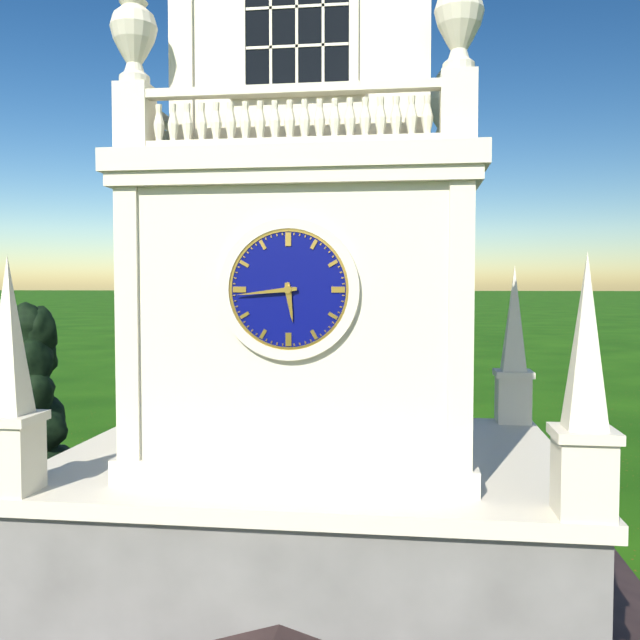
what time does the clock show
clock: 5:44
